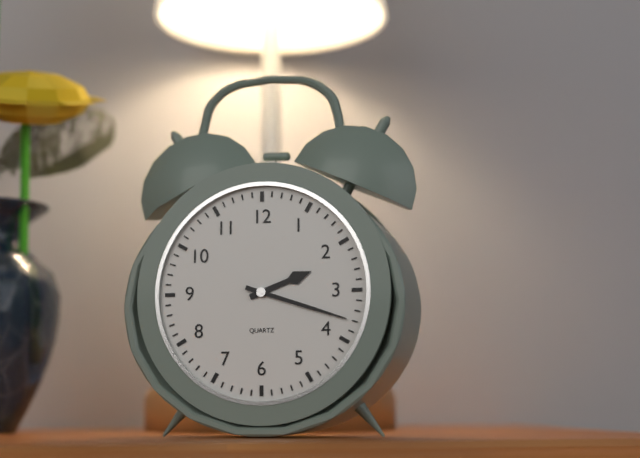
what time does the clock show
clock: 2:18
